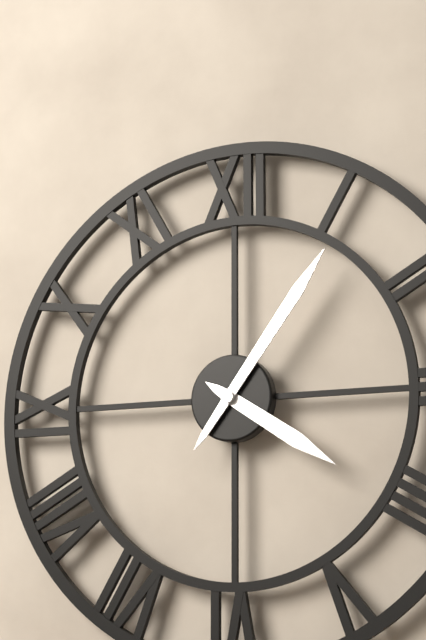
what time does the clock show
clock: 4:06
